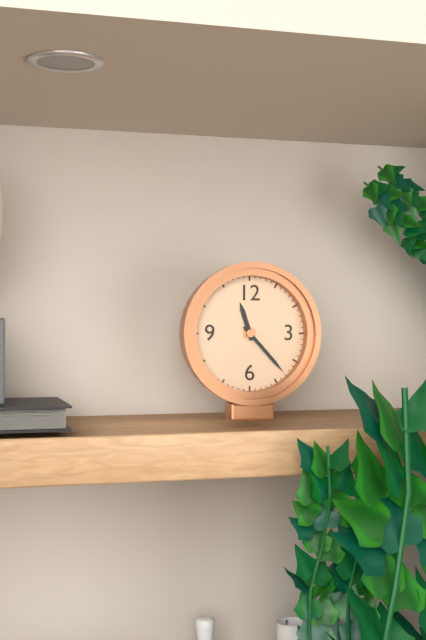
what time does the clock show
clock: 11:23
